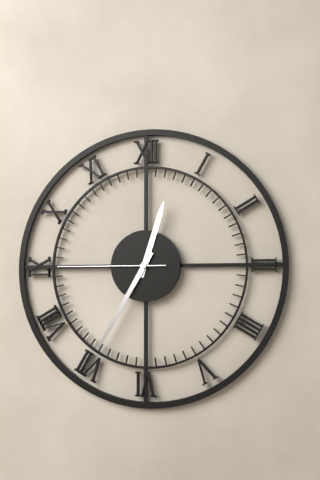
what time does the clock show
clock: 12:35:45
